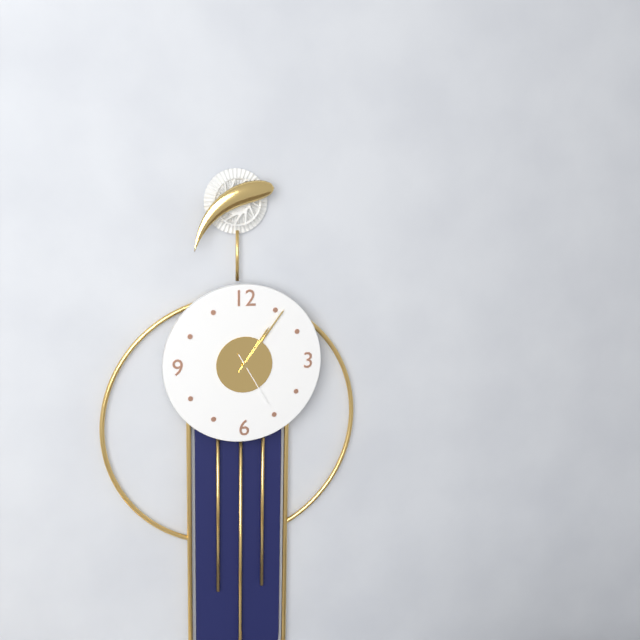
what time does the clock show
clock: 1:06:25
